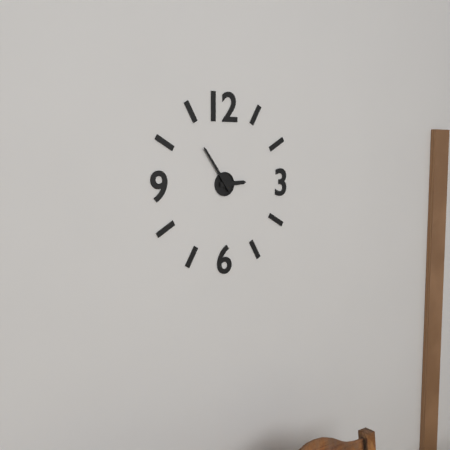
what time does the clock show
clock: 2:54
